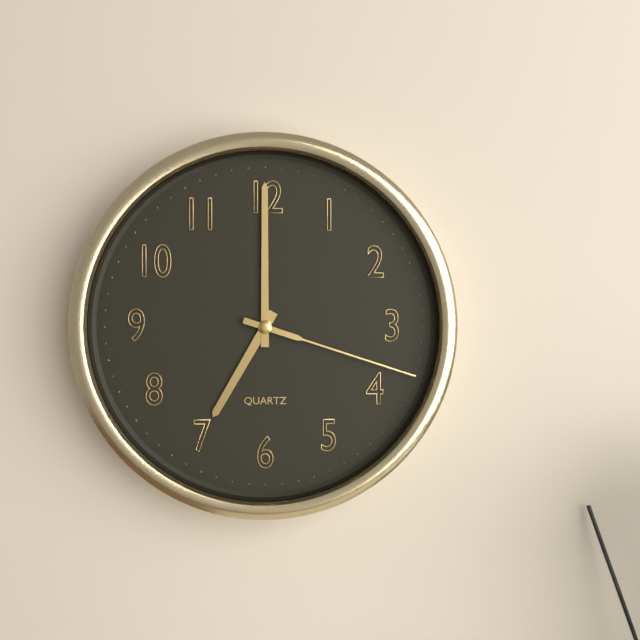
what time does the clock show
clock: 7:00:18
